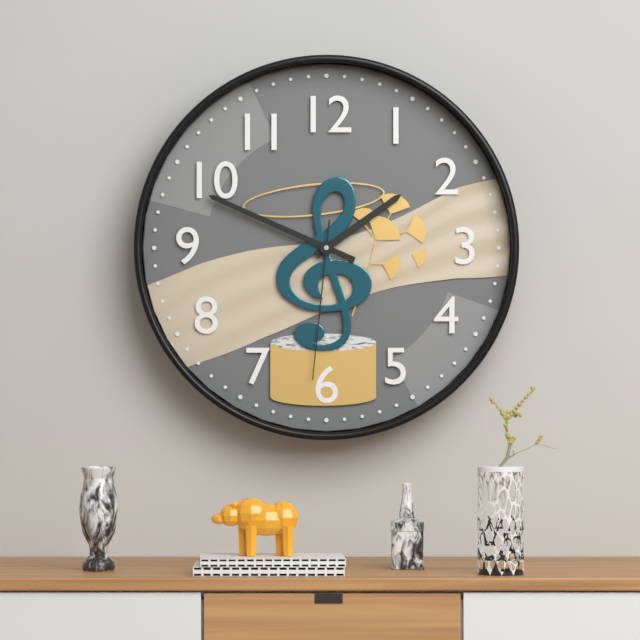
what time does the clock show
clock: 1:49:31
